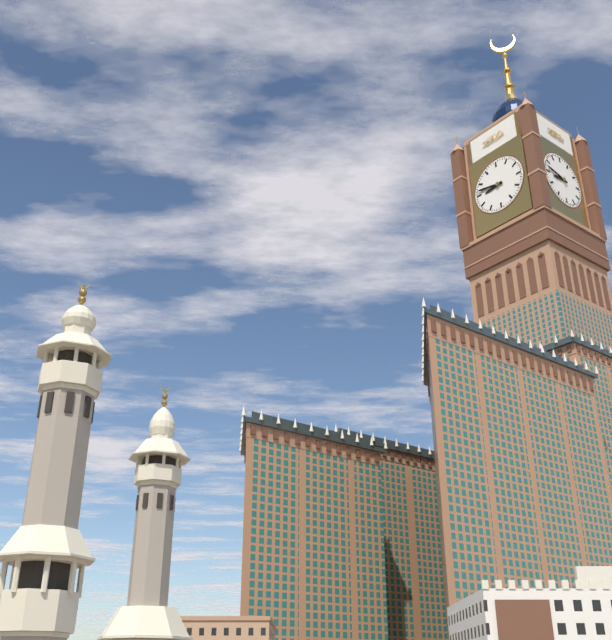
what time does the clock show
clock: 8:47
